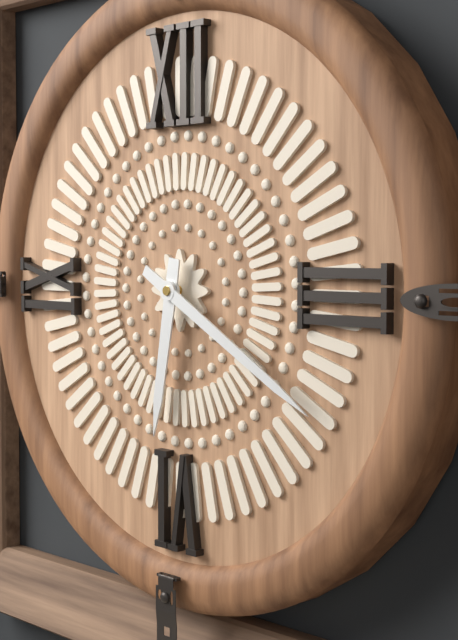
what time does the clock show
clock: 6:20
